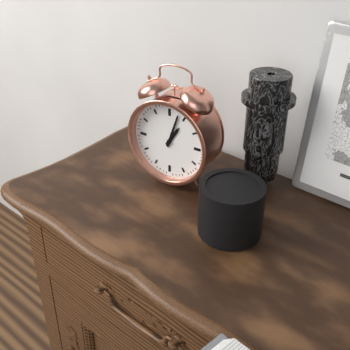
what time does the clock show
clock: 1:03
